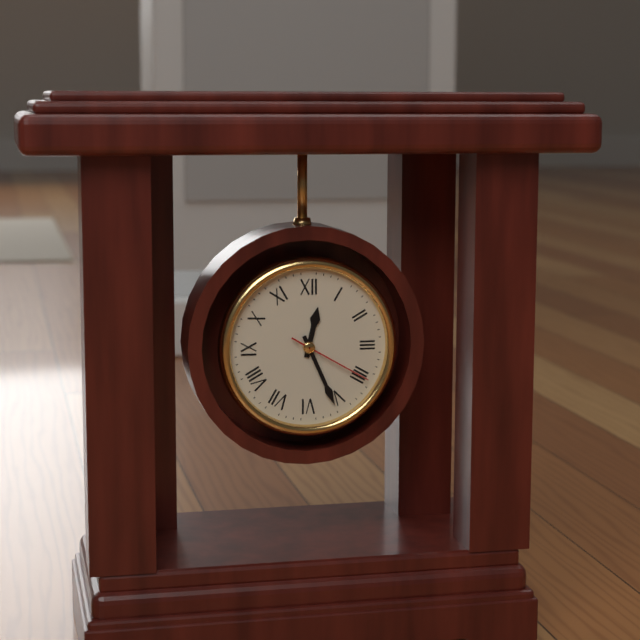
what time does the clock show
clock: 12:26:20
